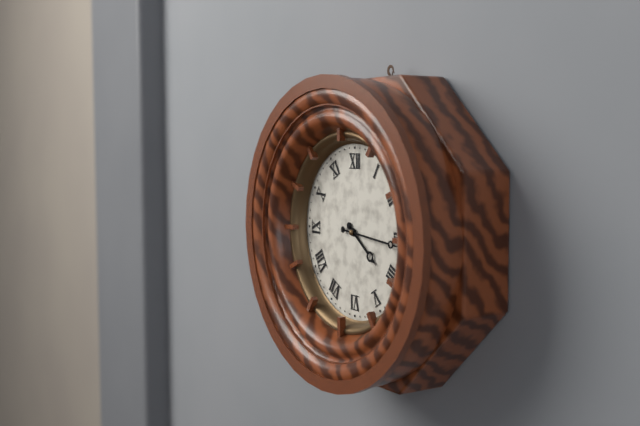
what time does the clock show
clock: 4:16
